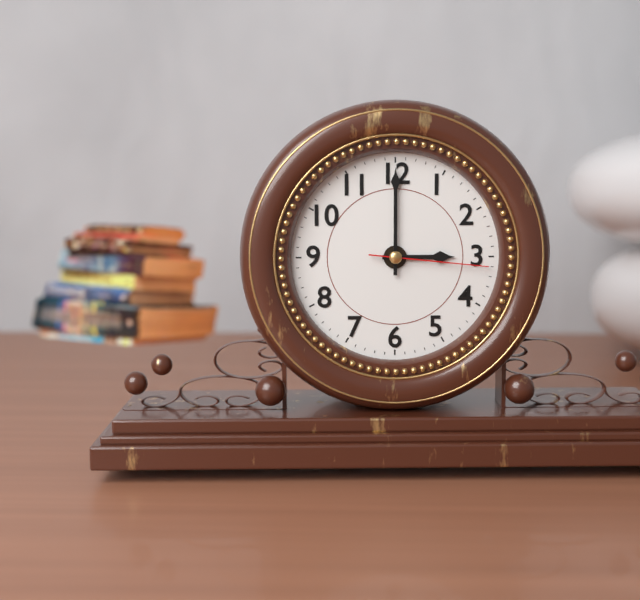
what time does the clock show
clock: 3:00:16
